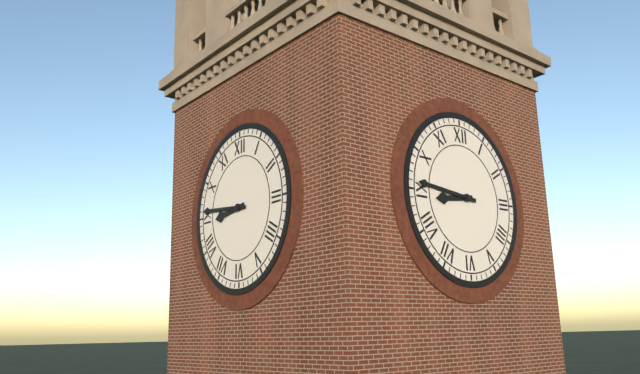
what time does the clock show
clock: 8:46
